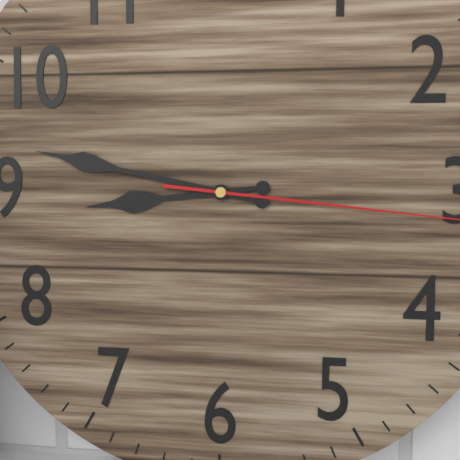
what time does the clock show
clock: 8:47
